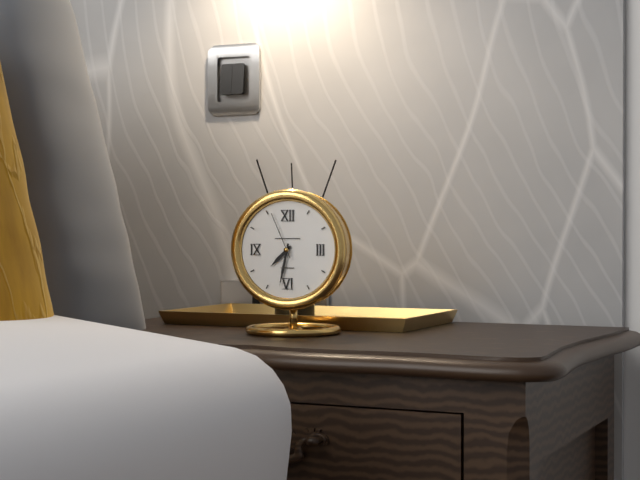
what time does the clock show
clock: 7:32
